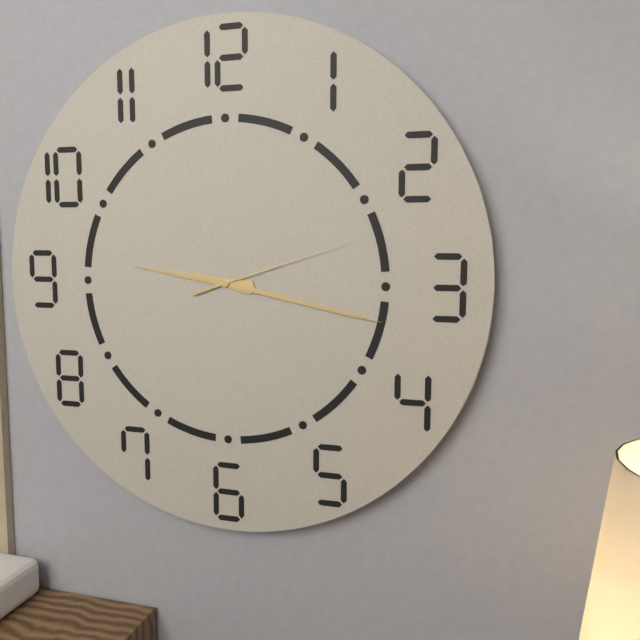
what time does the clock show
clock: 9:17:12
